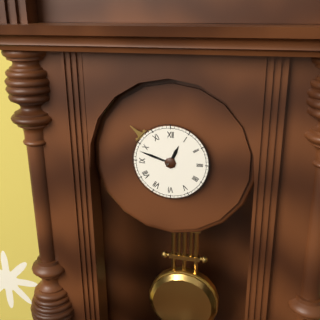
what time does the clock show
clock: 12:48
